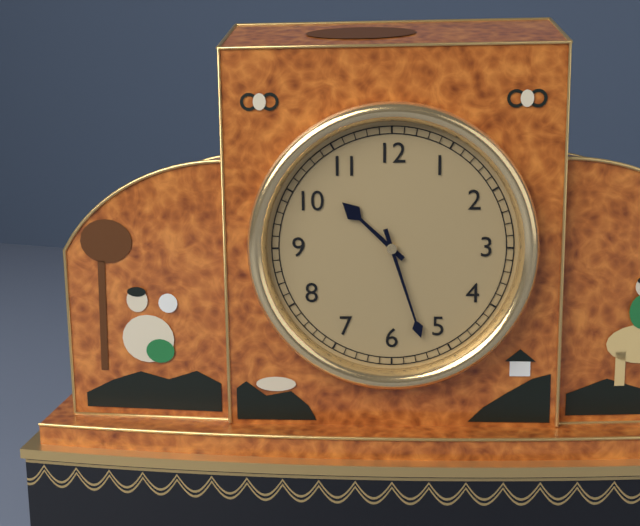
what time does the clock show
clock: 10:27
